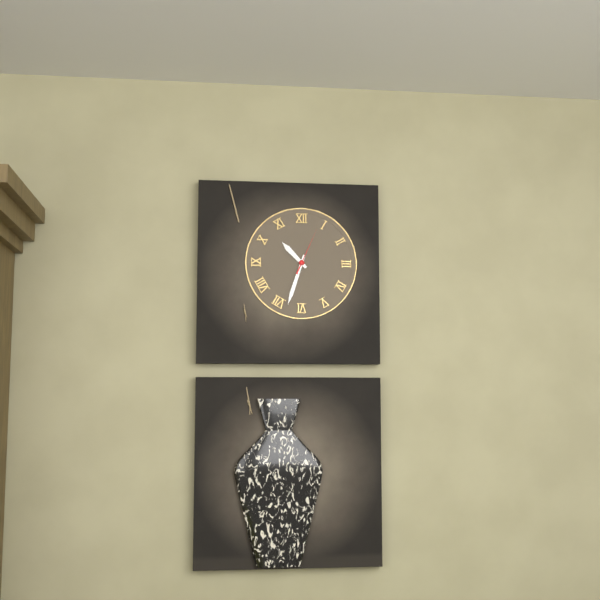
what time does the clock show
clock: 10:33
